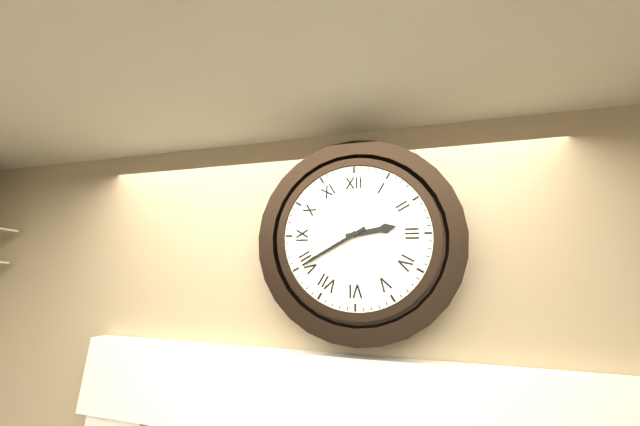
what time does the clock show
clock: 2:40
